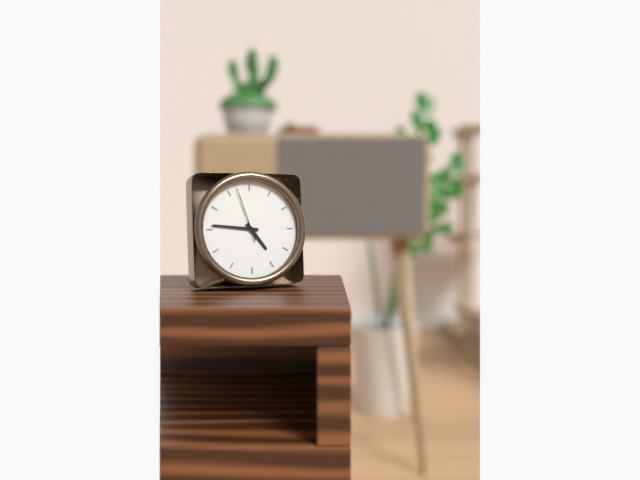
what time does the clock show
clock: 4:46:57
